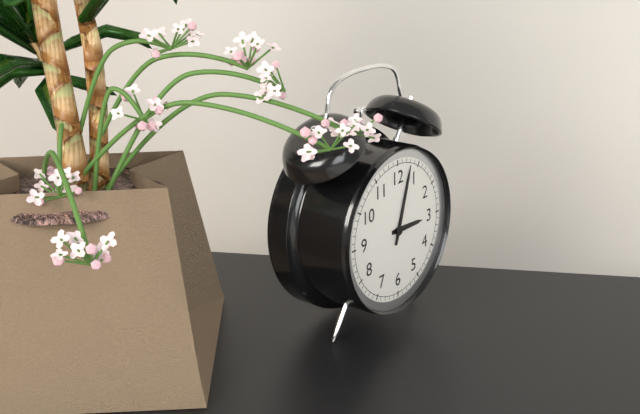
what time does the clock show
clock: 3:03
